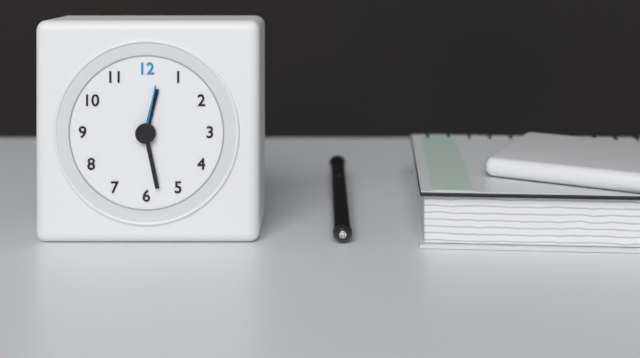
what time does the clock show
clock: 12:28:02
